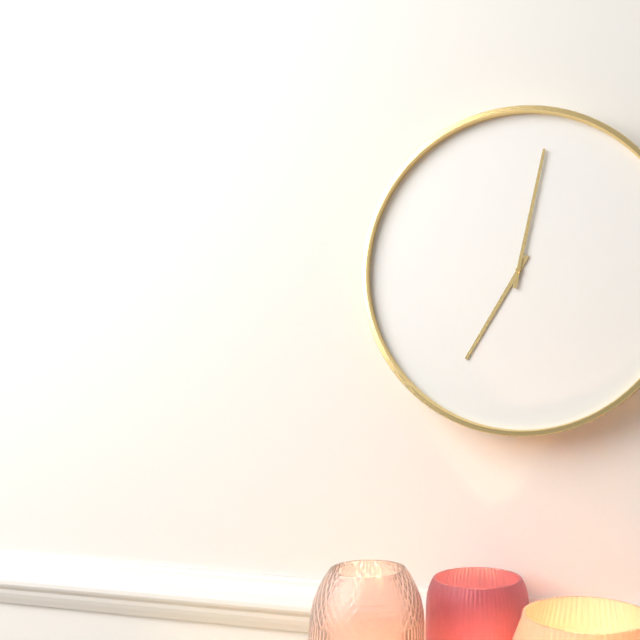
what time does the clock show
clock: 7:02
